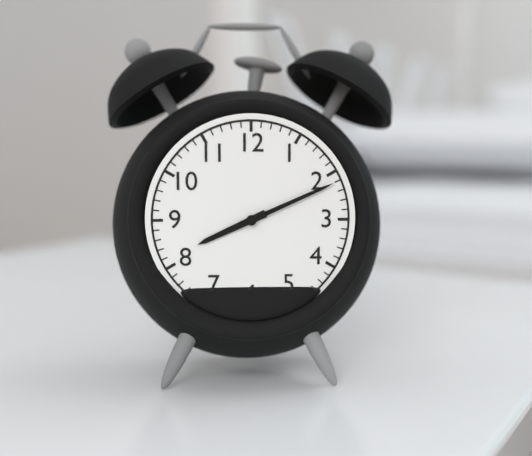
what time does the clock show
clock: 8:11
